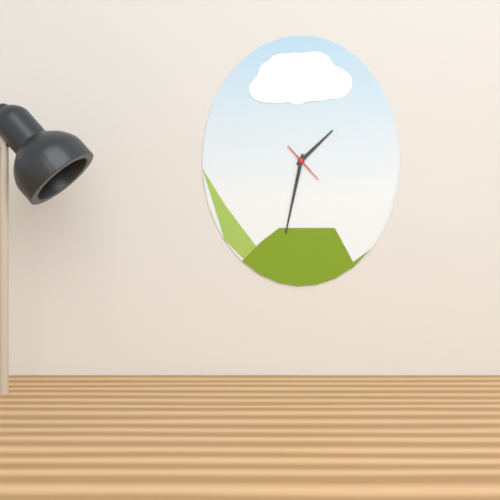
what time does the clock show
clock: 1:32
